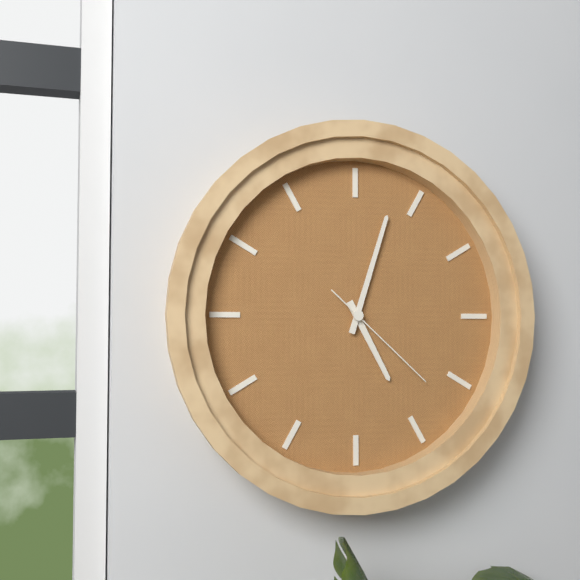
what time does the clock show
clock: 5:03:22
